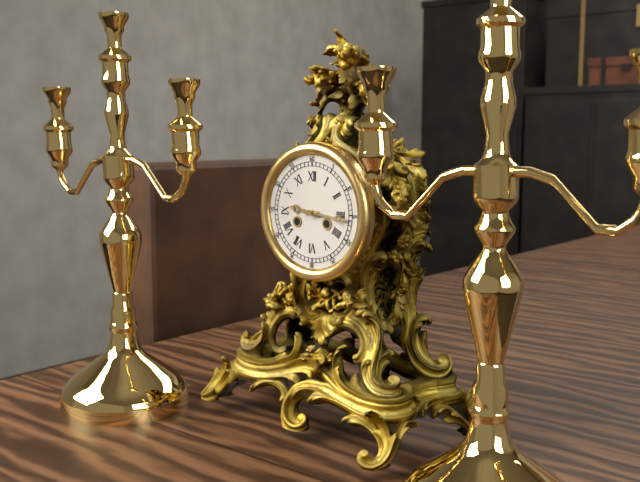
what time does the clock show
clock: 9:16
